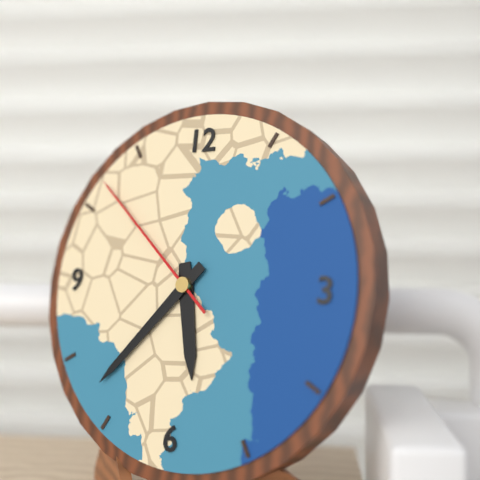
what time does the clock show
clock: 5:37:52
